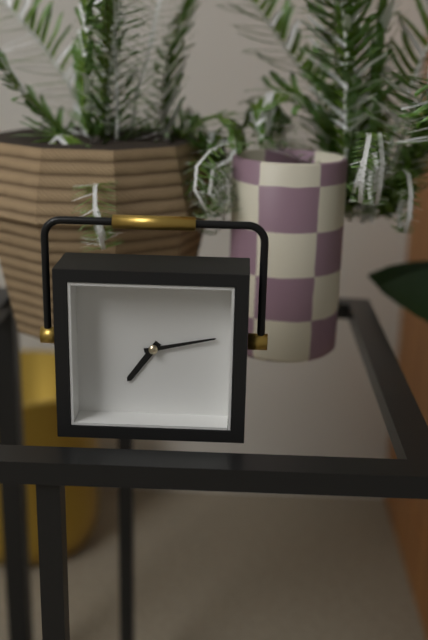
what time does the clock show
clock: 7:13
